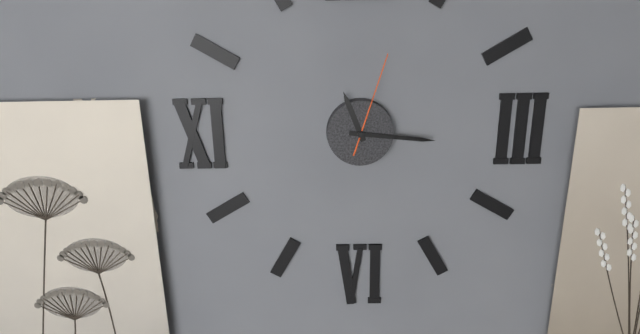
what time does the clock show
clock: 11:16:03
